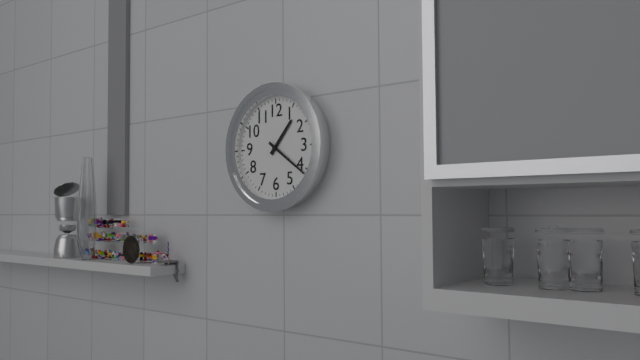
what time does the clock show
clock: 1:21
